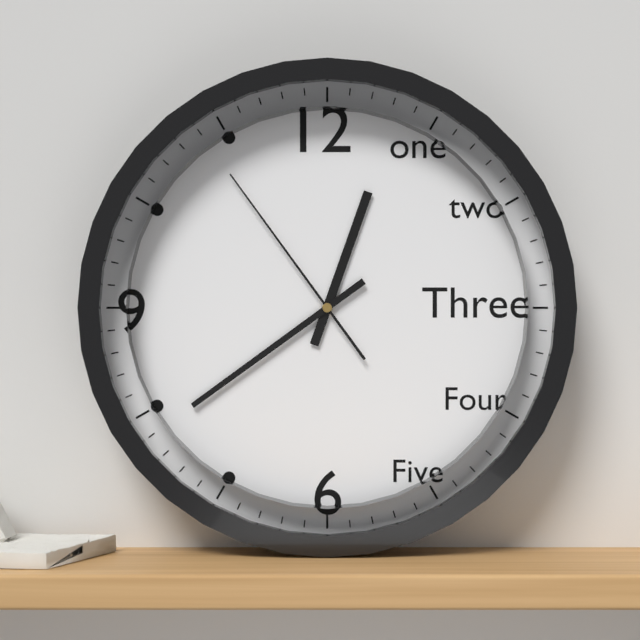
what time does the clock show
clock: 12:39:54
